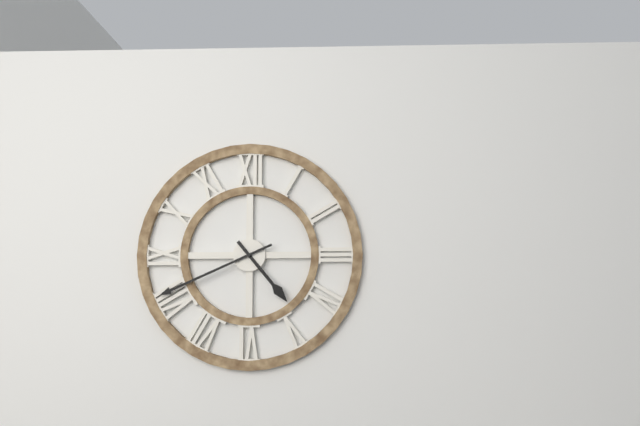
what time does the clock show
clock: 4:41
